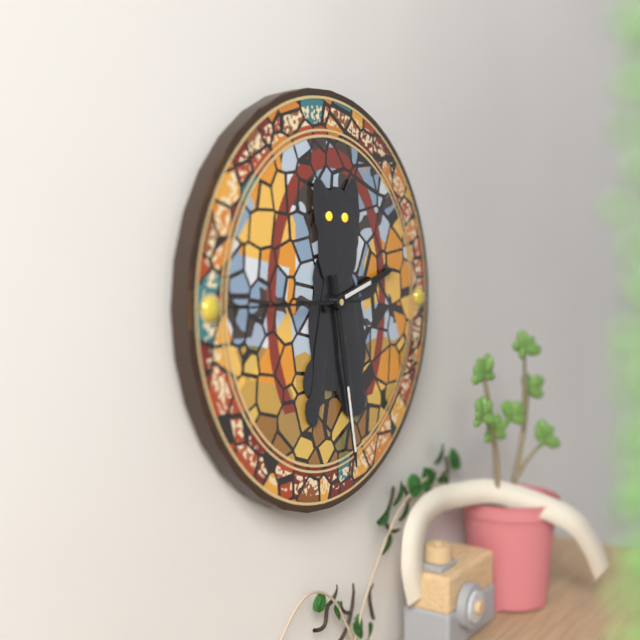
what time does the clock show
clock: 2:28:45
